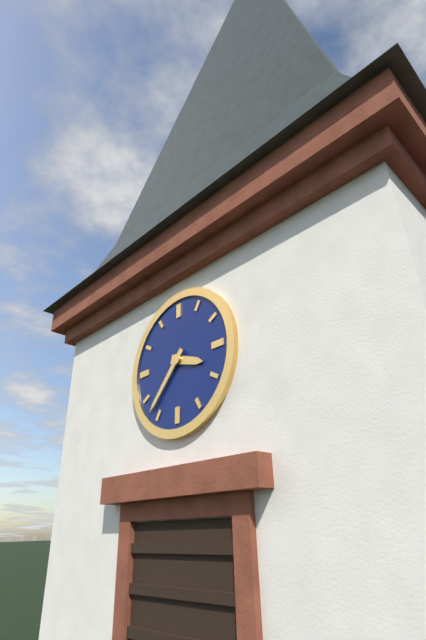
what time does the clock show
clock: 3:37
